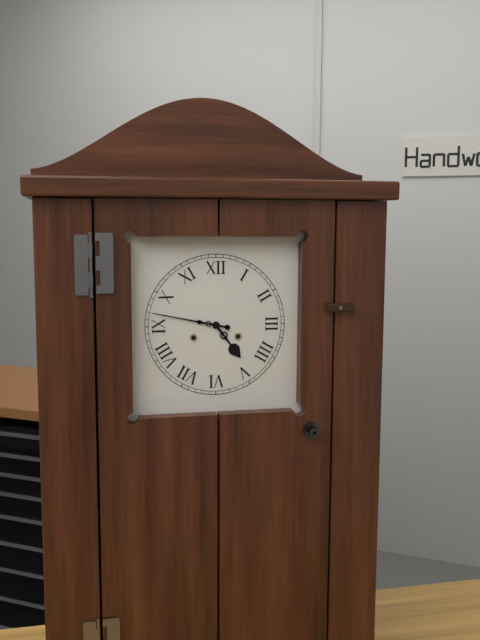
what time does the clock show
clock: 4:47
